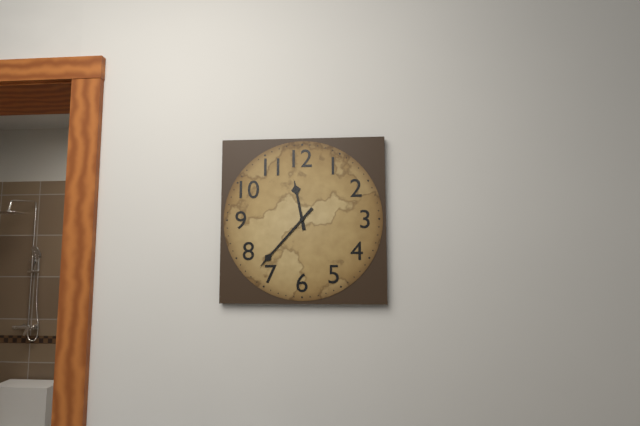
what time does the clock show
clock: 11:37
